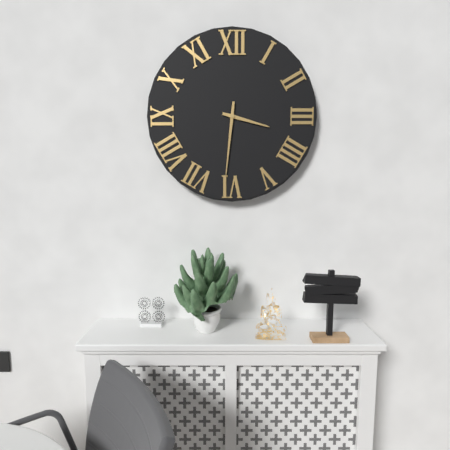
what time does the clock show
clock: 3:31
